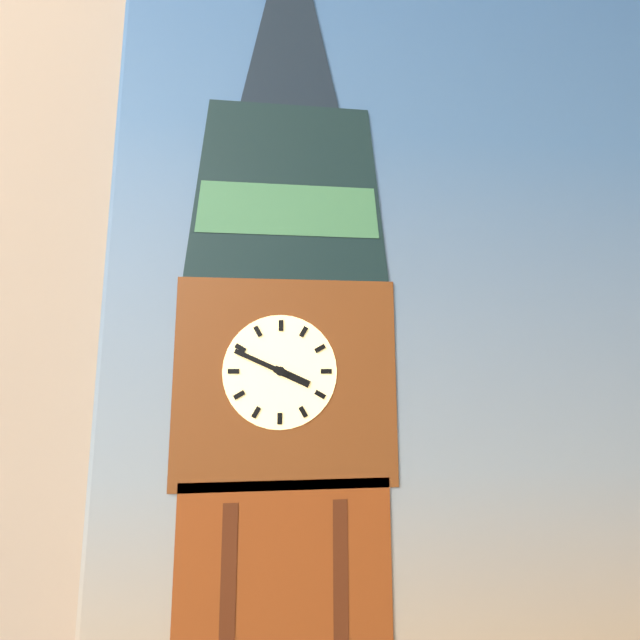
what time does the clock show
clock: 3:49
